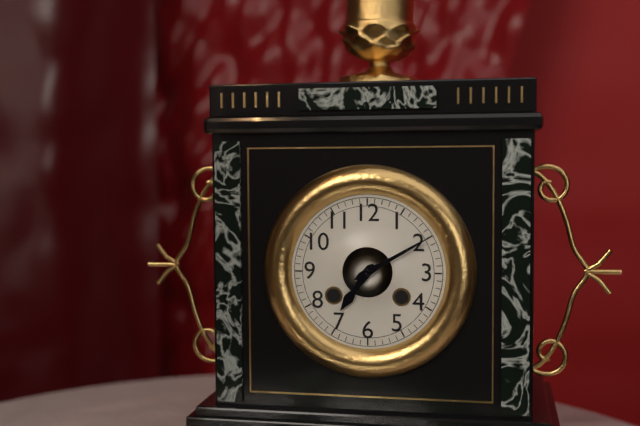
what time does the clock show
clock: 7:10
